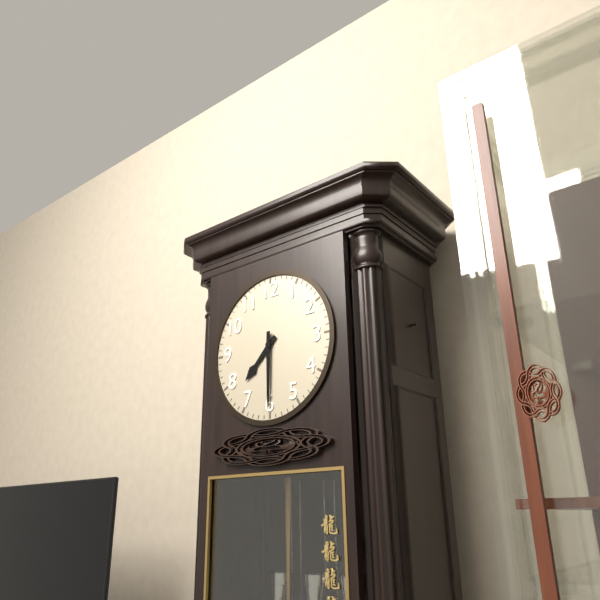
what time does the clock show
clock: 7:30
